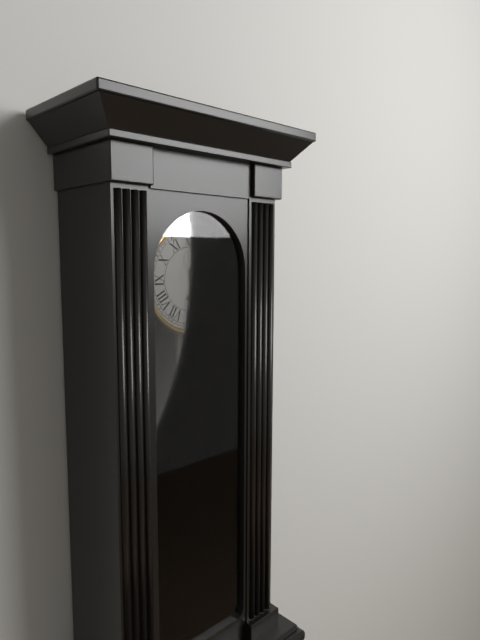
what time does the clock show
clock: 5:31
